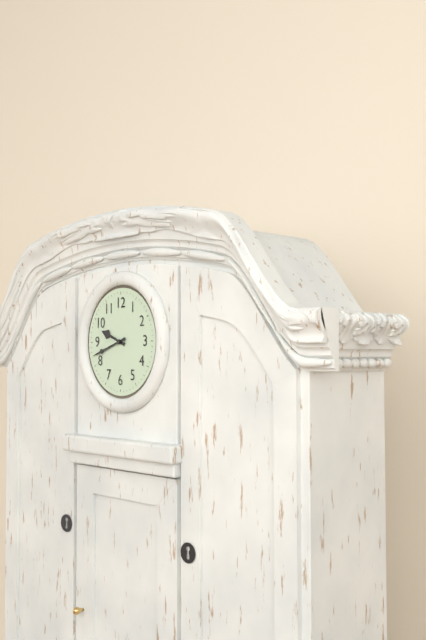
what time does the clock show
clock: 9:42
